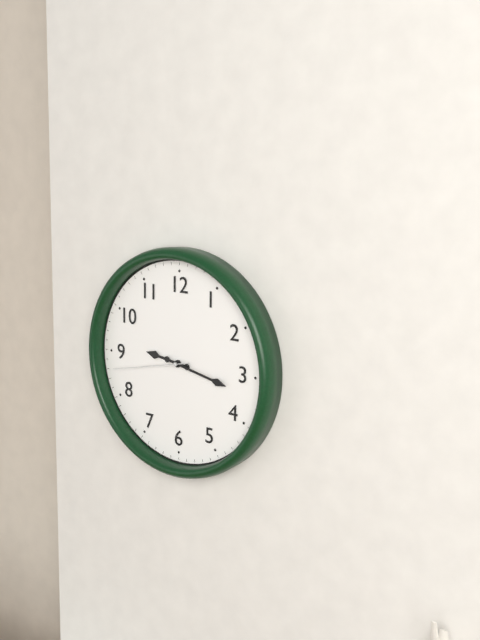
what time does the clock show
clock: 9:17:43
